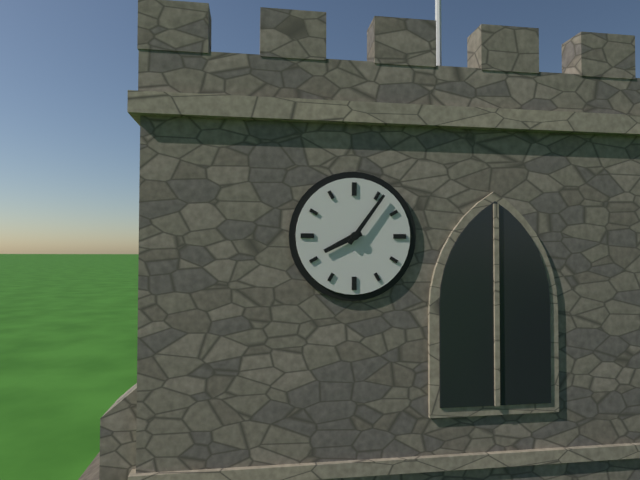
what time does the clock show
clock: 8:06
